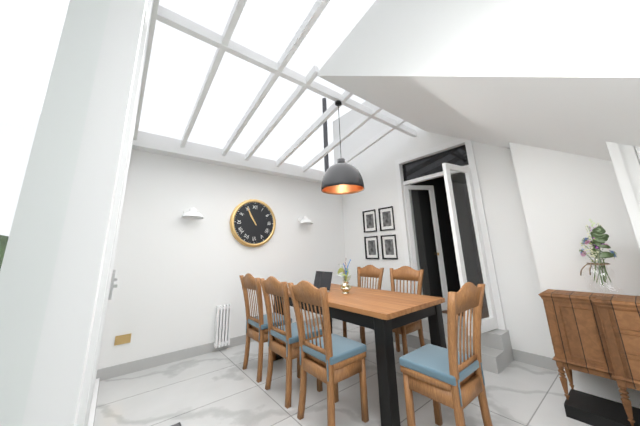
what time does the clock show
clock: 10:55
